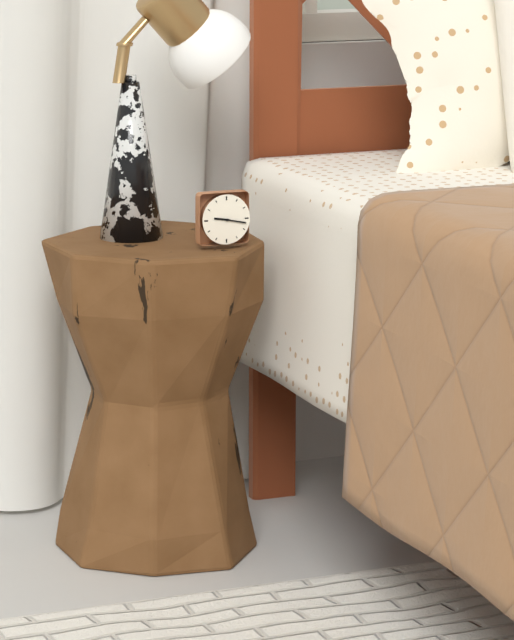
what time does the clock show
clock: 9:17
